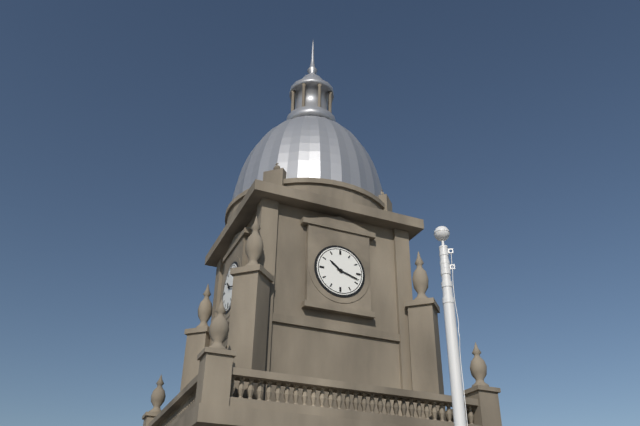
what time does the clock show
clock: 10:18
